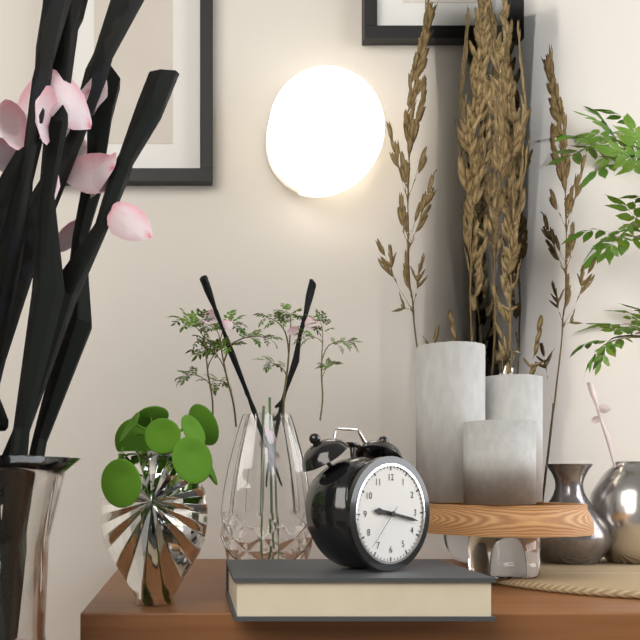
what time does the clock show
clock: 9:17:37
